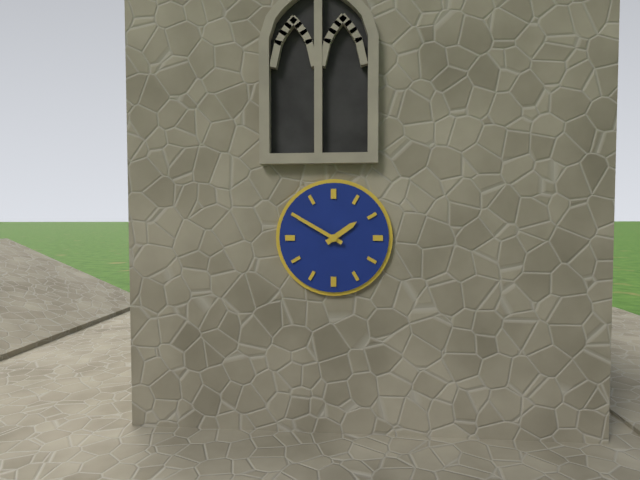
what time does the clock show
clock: 1:50
